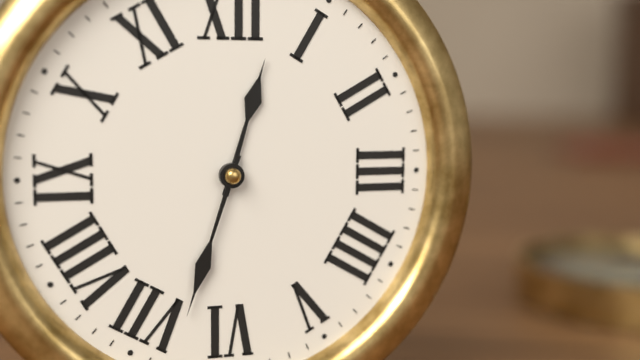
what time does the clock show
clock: 12:33
